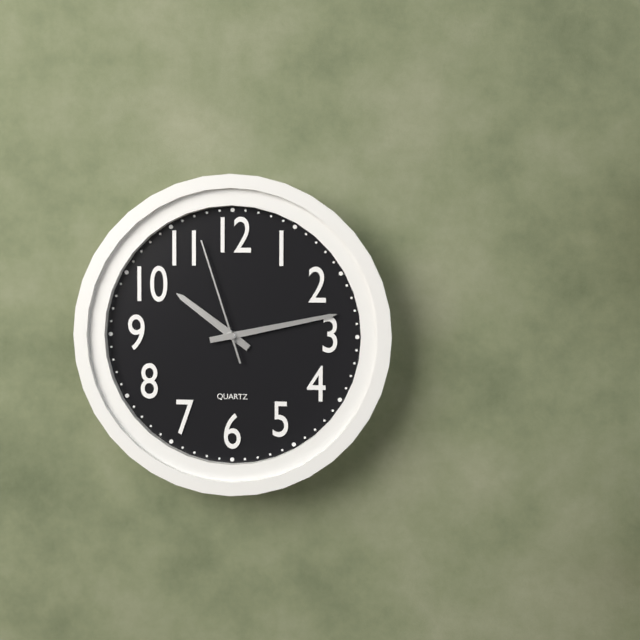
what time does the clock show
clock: 10:13:57
